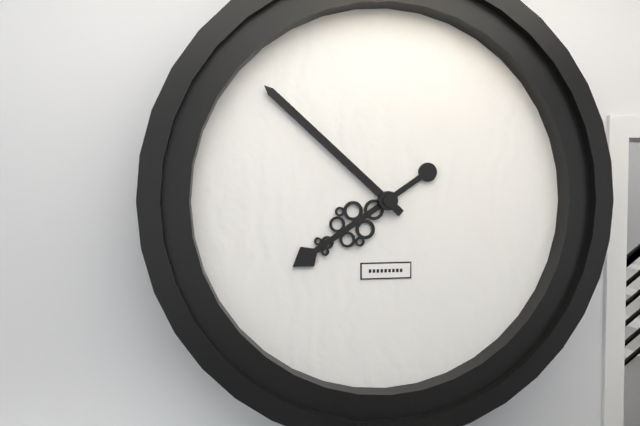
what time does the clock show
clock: 7:52
